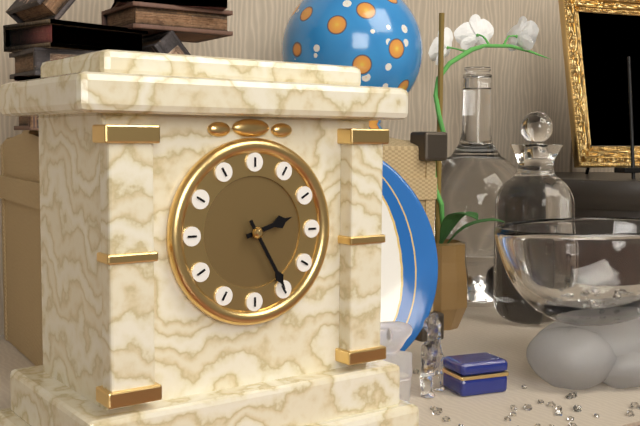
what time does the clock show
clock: 2:25
